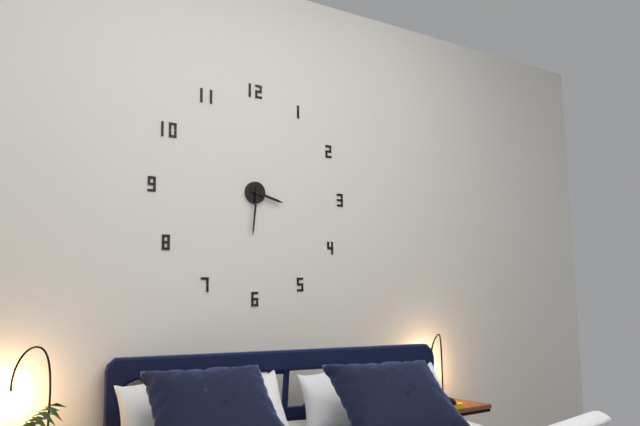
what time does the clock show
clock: 3:31
